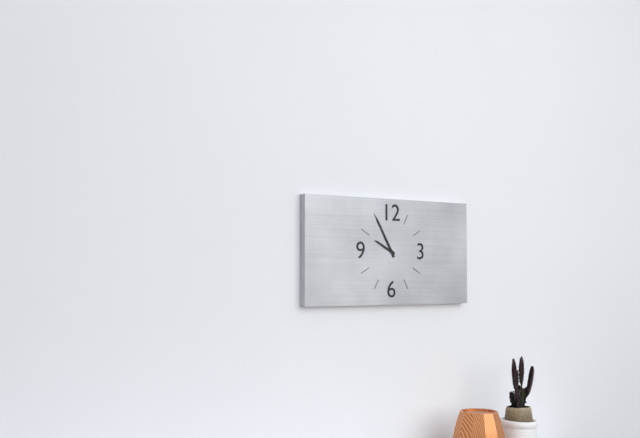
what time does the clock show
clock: 9:55
